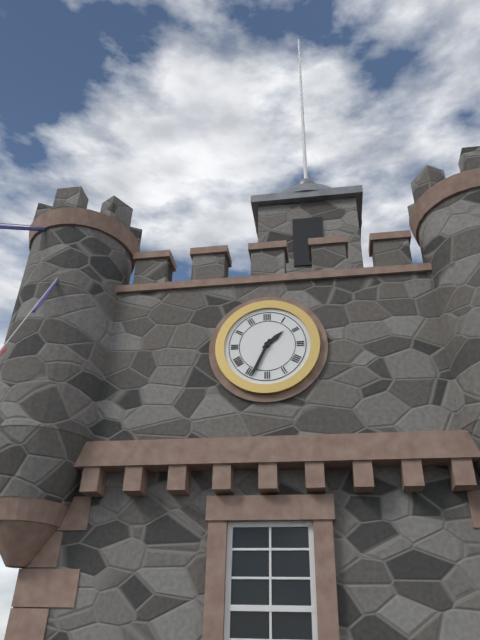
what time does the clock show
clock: 1:34
